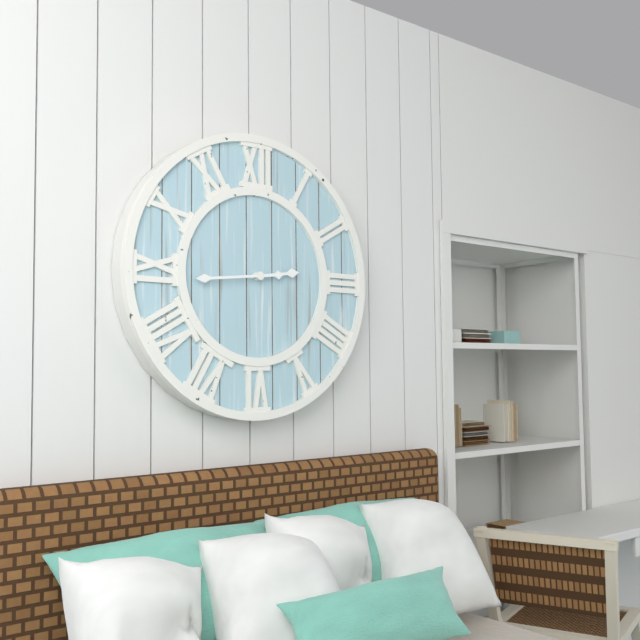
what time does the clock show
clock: 2:44
